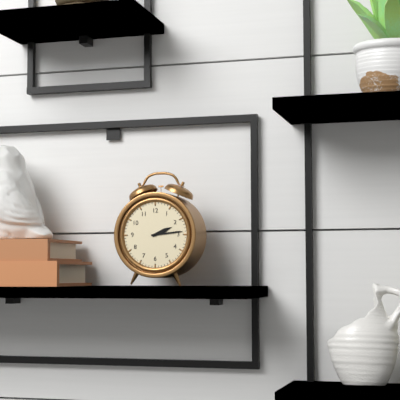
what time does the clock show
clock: 2:14
